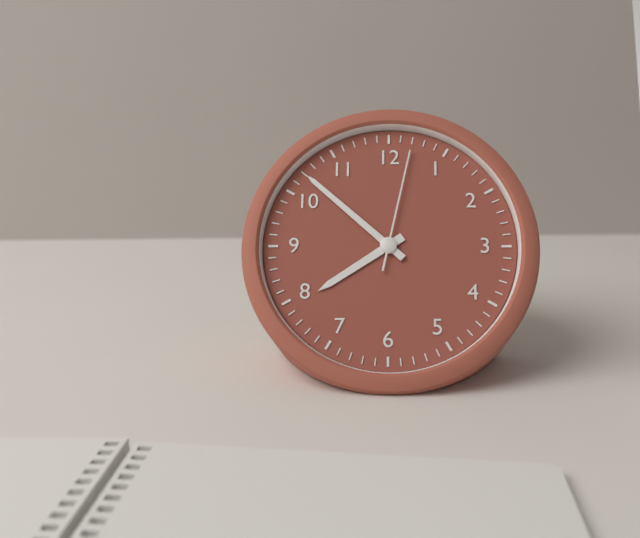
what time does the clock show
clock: 7:52:02
